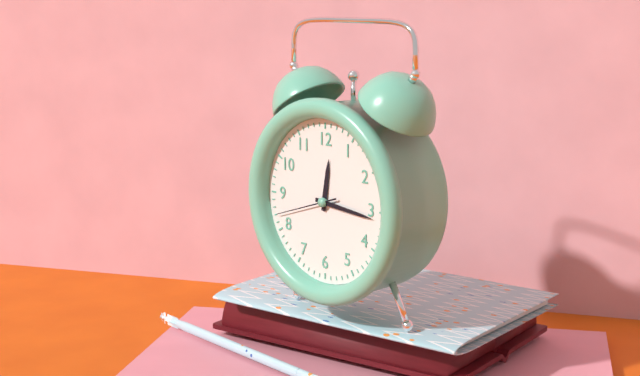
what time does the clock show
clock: 12:16:42
